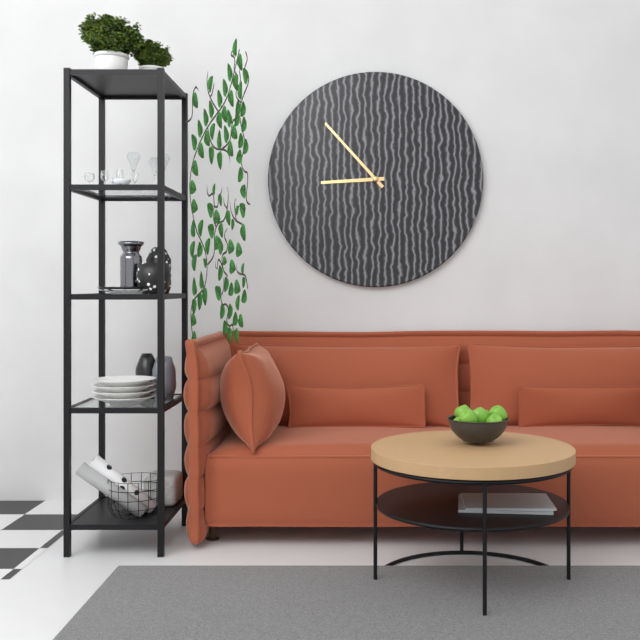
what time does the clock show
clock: 8:53
